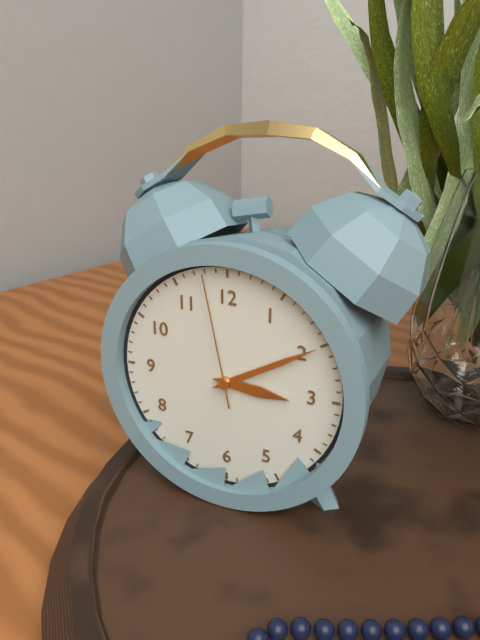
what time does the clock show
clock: 3:10:58
